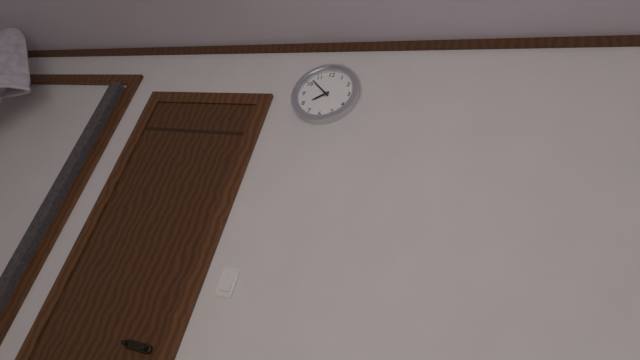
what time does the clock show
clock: 7:52
